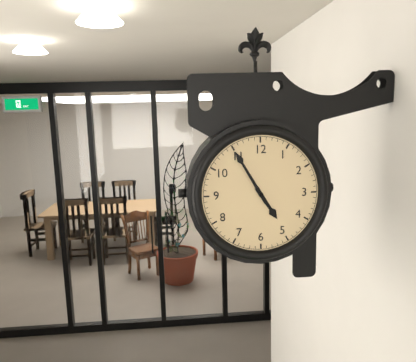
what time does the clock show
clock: 4:55
